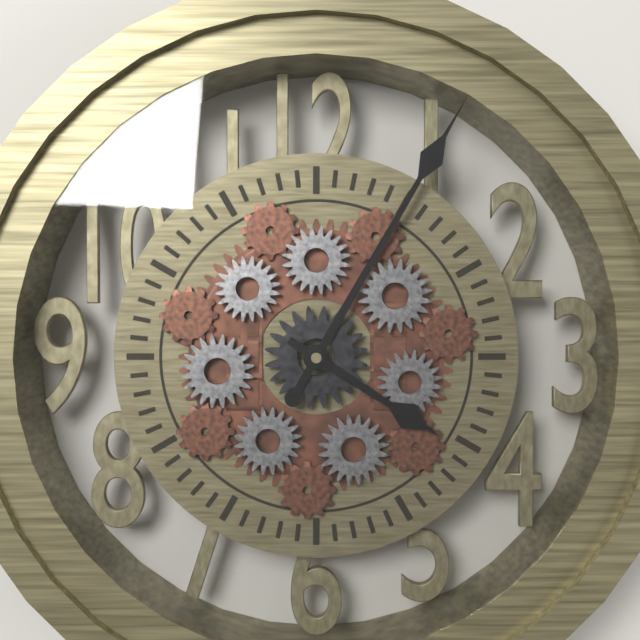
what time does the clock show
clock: 4:05
